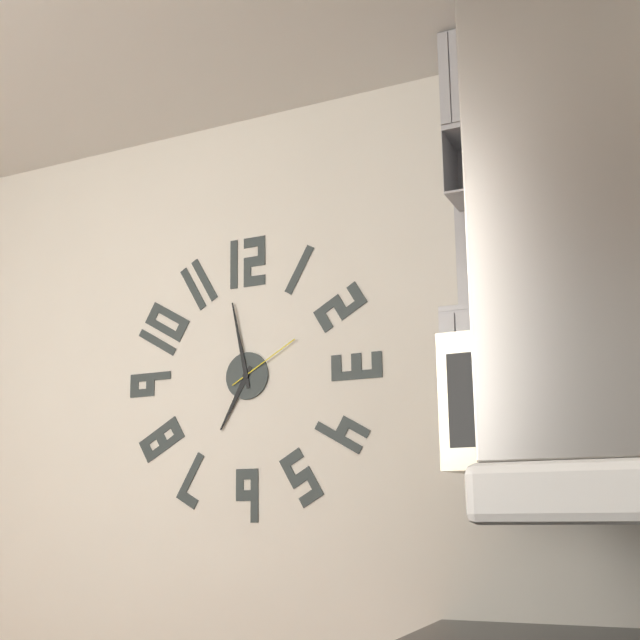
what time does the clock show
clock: 6:58:10
